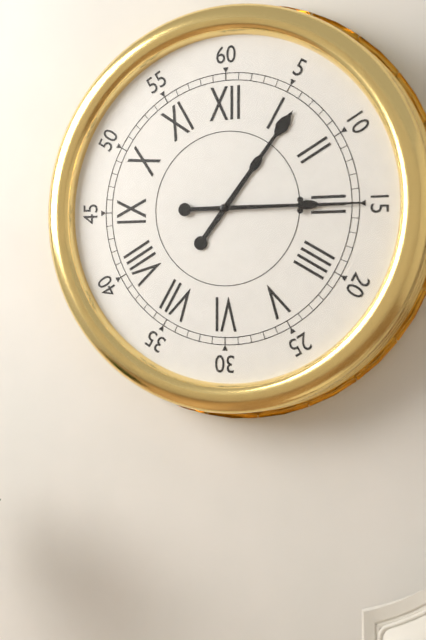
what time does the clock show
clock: 1:15
